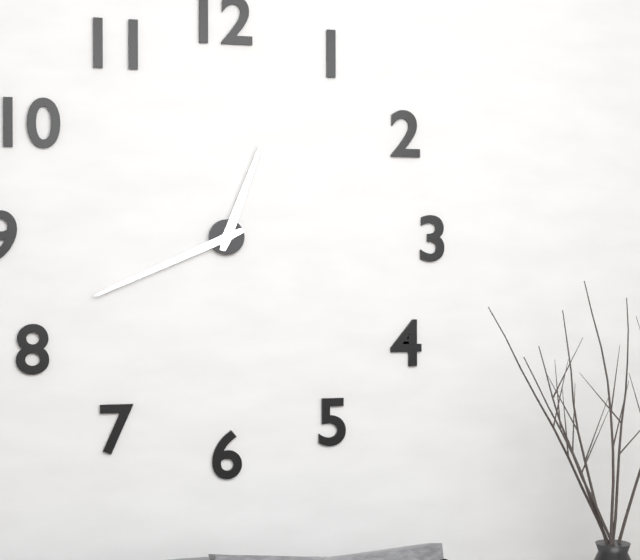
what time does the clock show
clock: 12:41
